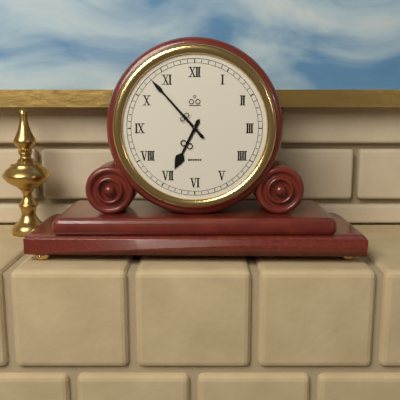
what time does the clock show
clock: 6:53
